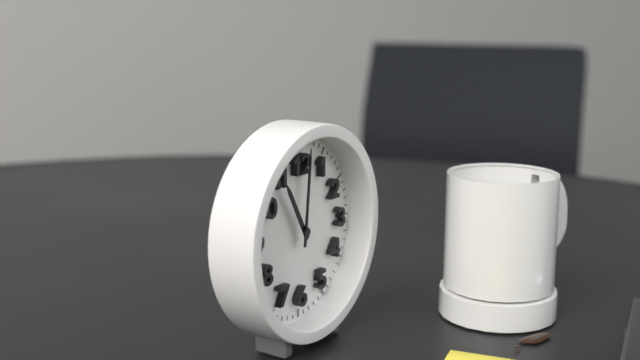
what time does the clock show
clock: 11:01
